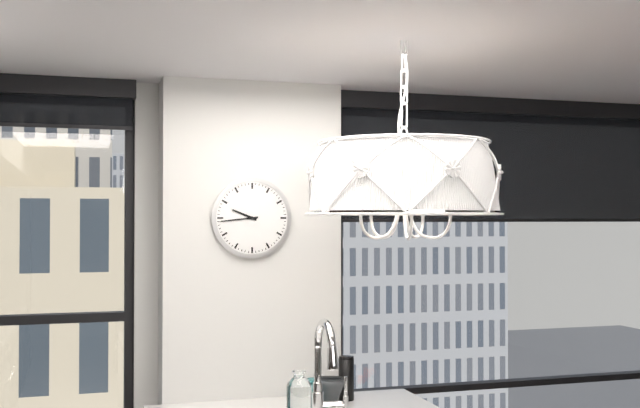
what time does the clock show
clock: 9:44
